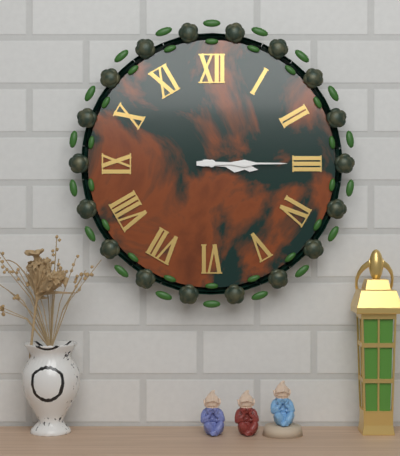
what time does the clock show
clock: 3:15
